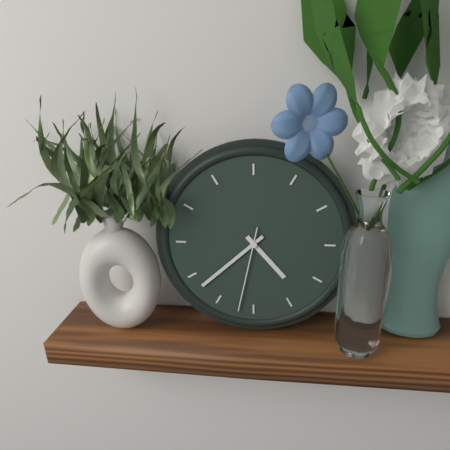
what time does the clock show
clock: 4:38:32
